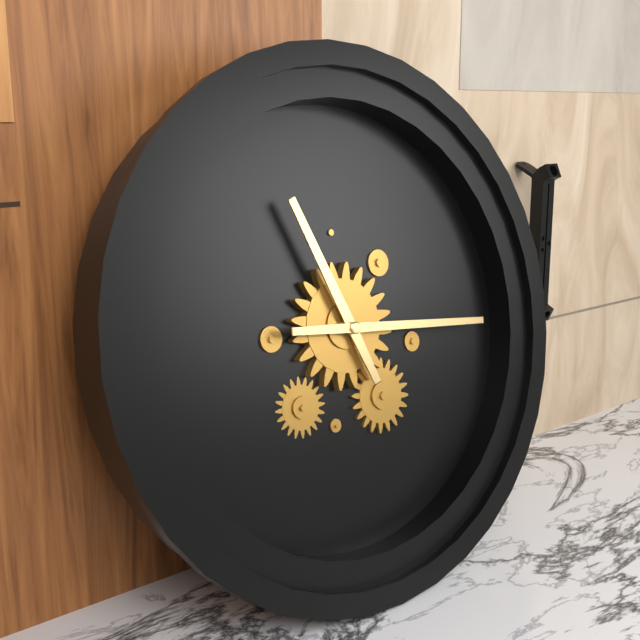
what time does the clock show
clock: 11:16
